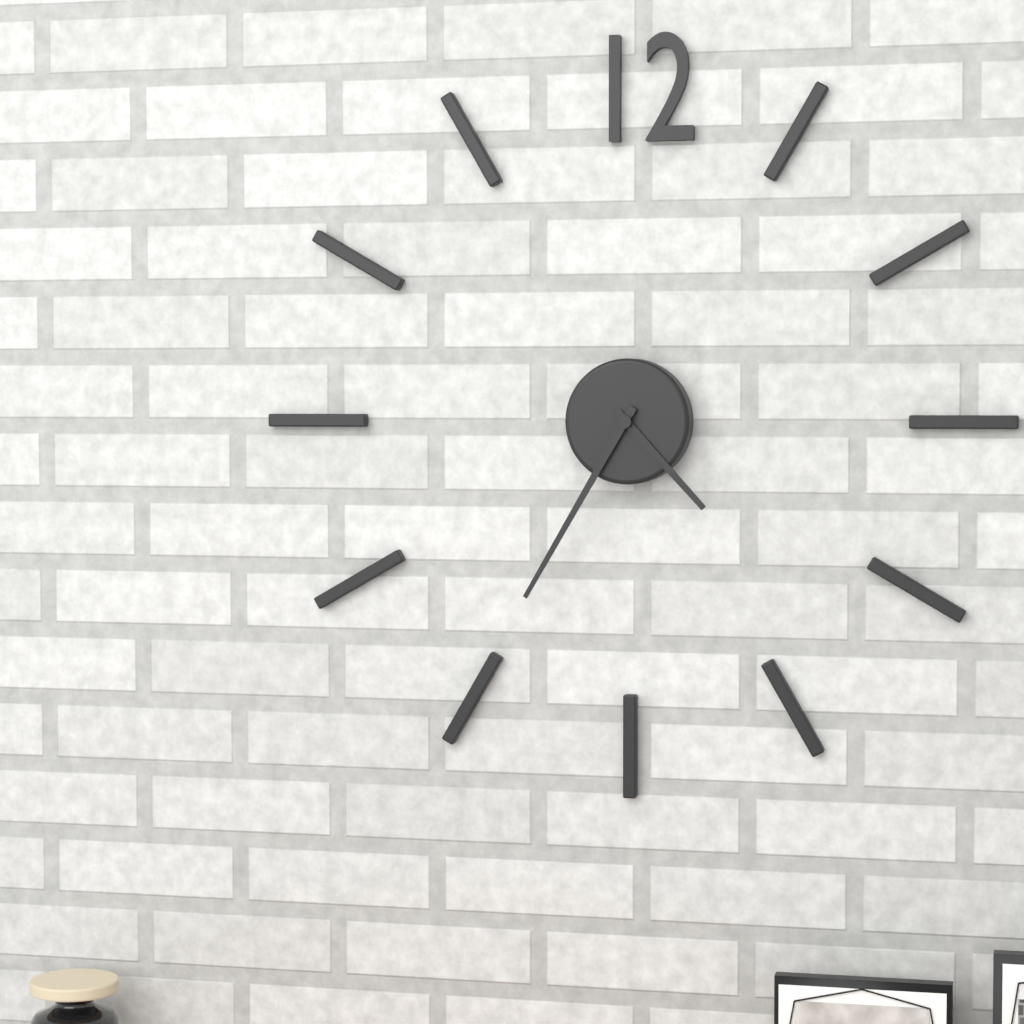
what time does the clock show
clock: 4:35
